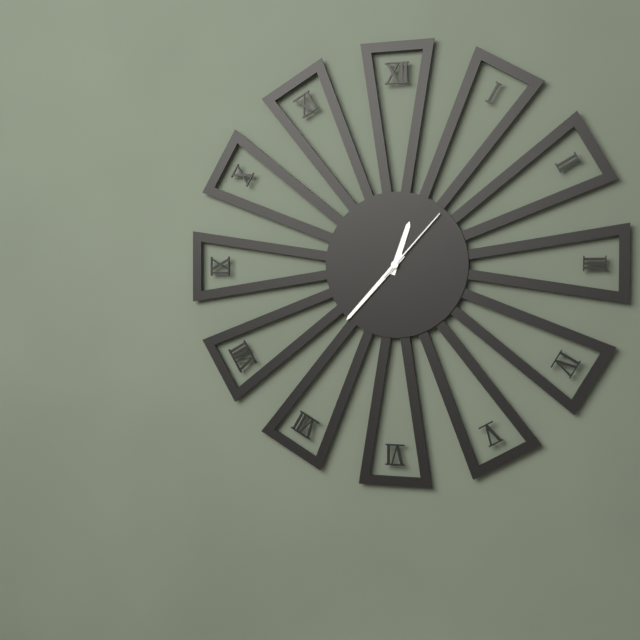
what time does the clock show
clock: 12:37:07
